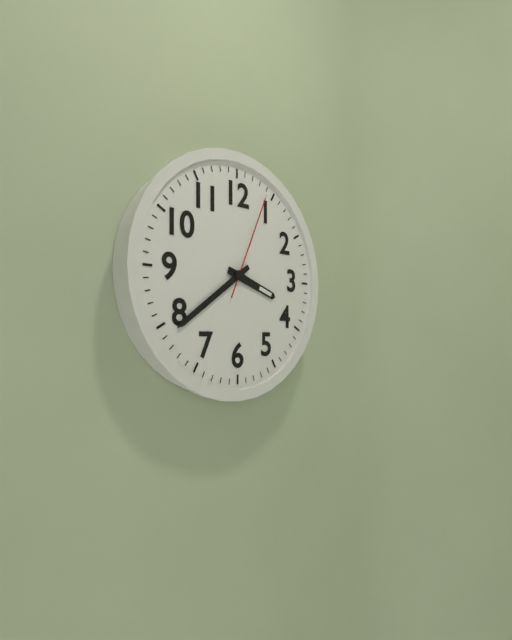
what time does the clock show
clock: 3:39:04
